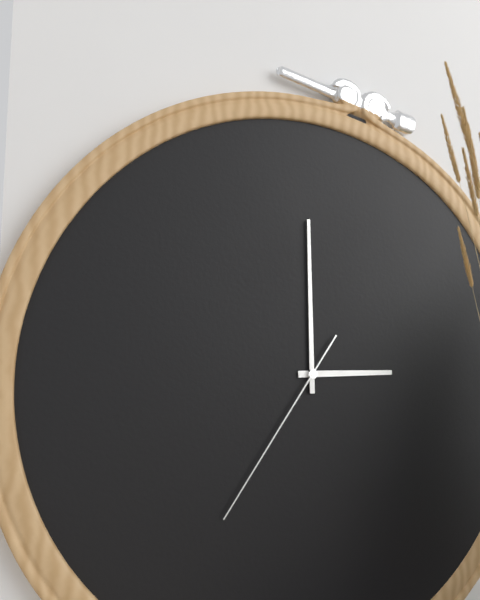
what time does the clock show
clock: 3:00:36
